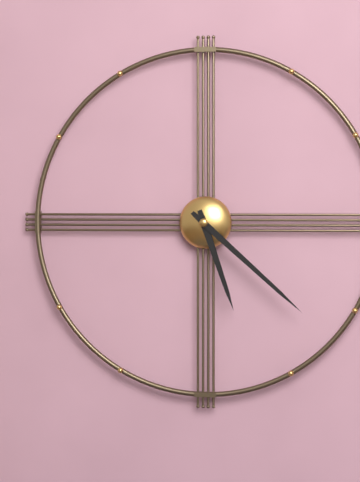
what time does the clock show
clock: 5:22
